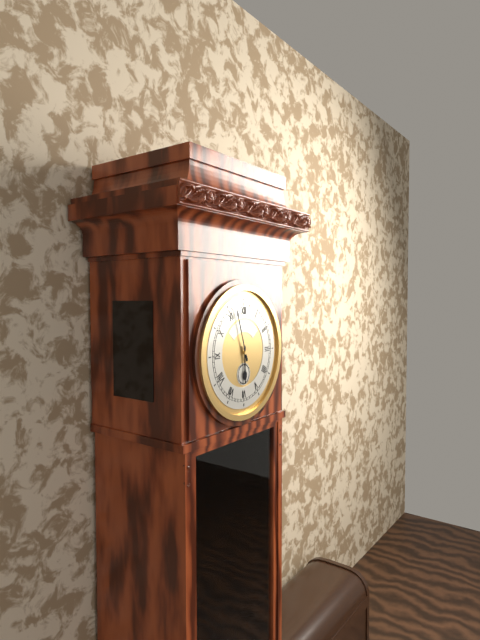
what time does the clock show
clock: 5:57
